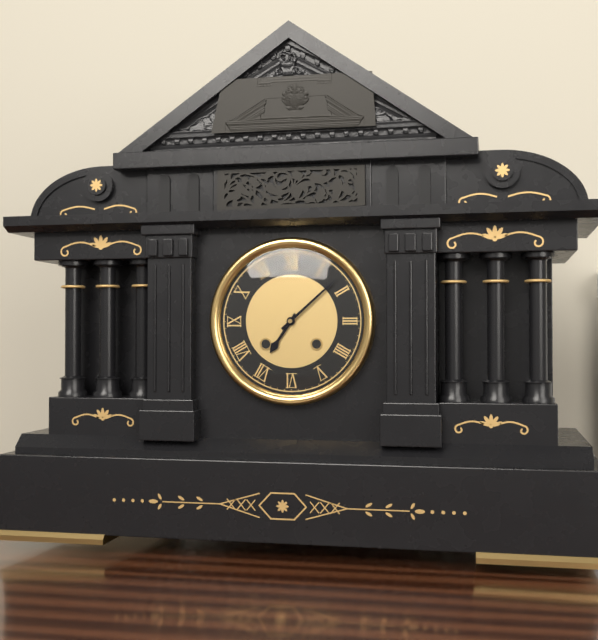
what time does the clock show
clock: 7:08
